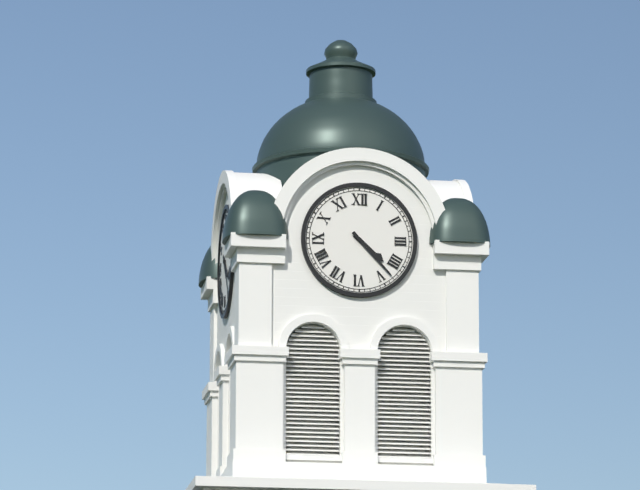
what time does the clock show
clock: 4:23
